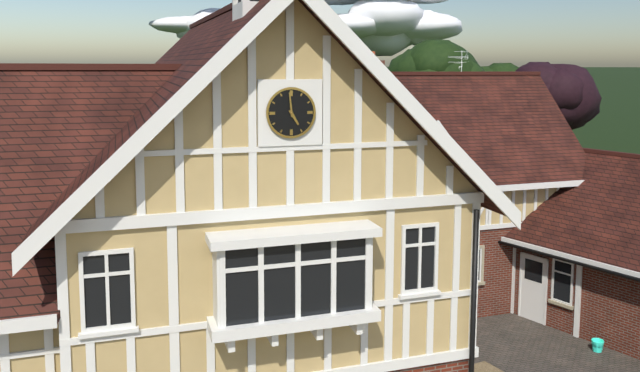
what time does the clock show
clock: 4:59
